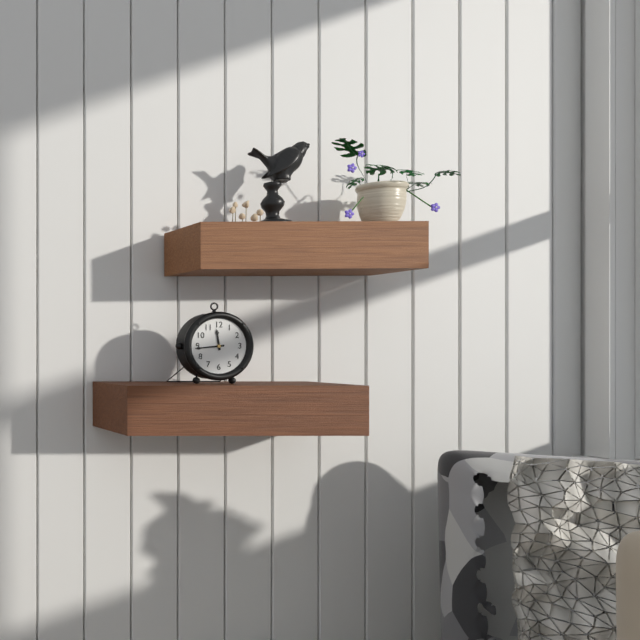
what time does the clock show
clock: 11:44
